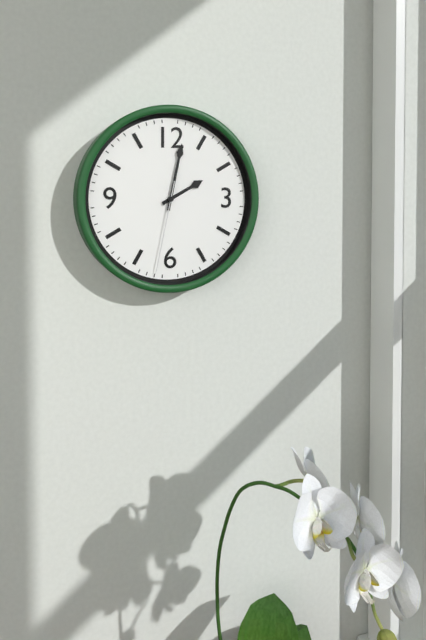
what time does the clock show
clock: 2:02:32
